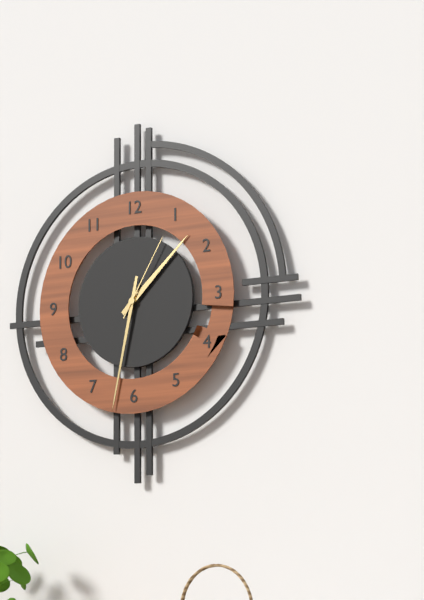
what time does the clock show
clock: 1:32:05
